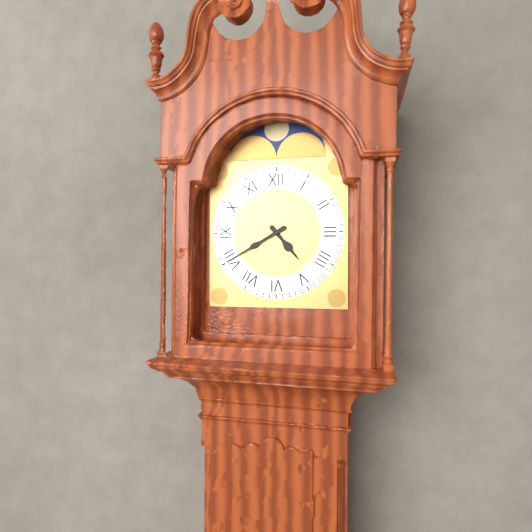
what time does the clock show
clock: 4:40
